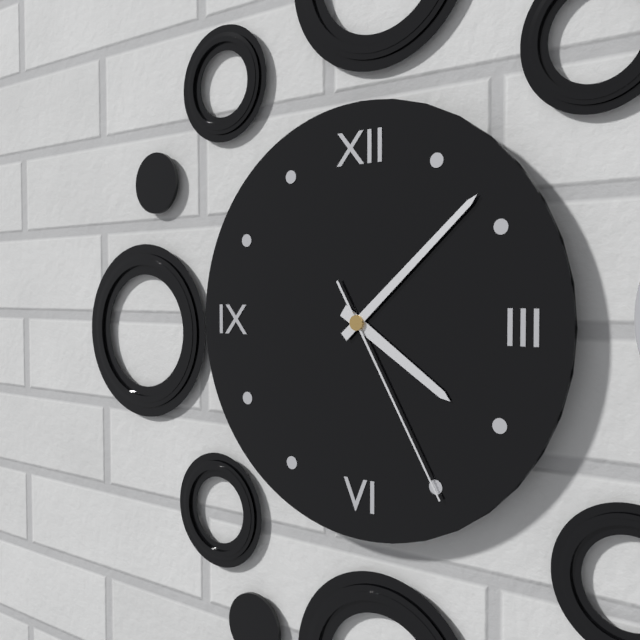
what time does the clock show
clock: 4:08:25
